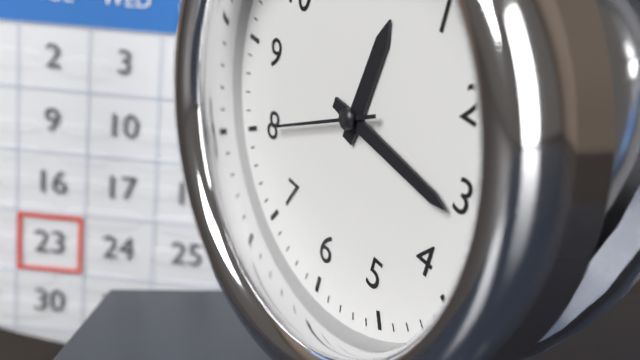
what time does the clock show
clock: 12:16:40
